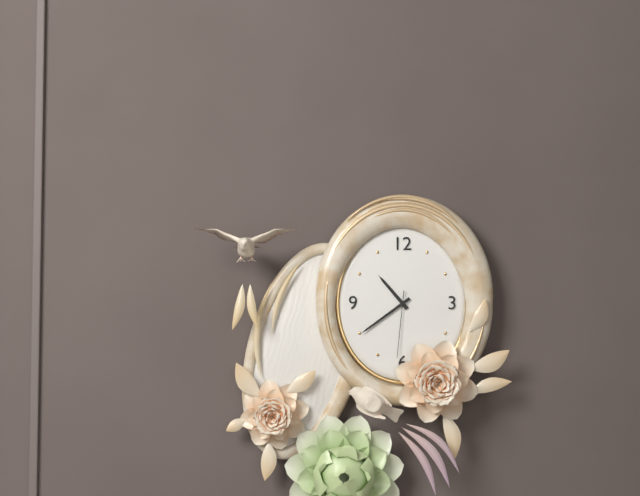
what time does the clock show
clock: 10:39:31
